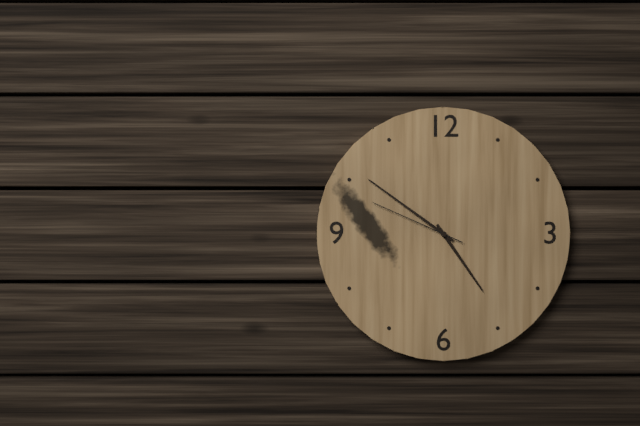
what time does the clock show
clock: 4:51:49
